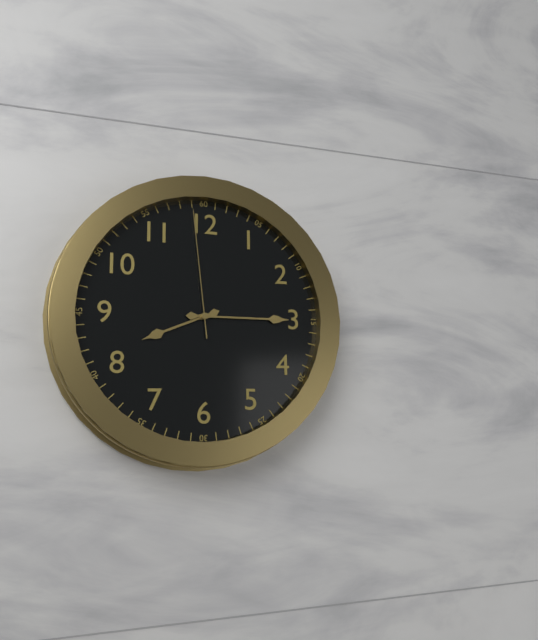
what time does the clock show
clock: 8:15:59
